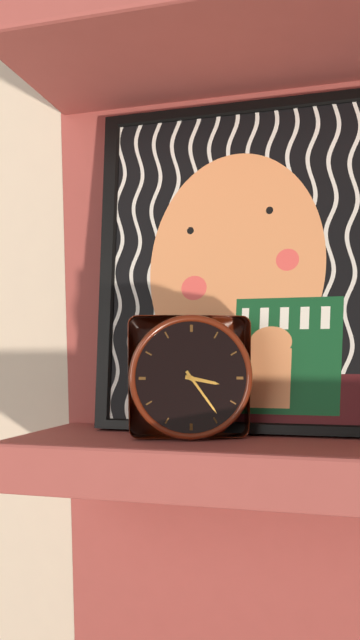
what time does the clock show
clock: 3:24
